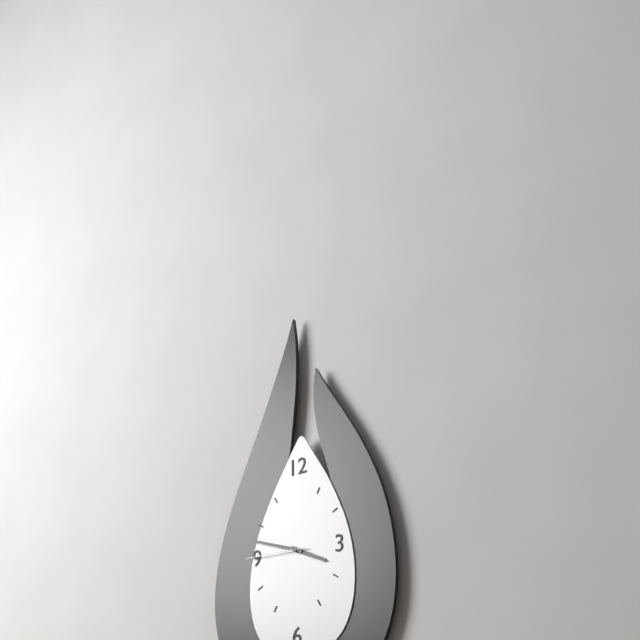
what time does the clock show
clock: 3:48:45
